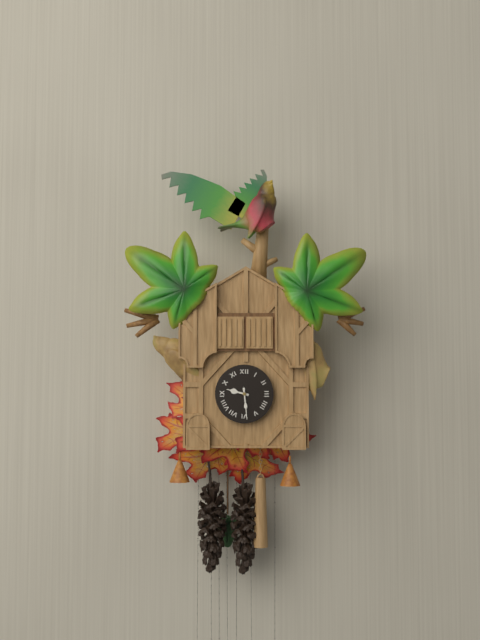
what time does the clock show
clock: 9:29
